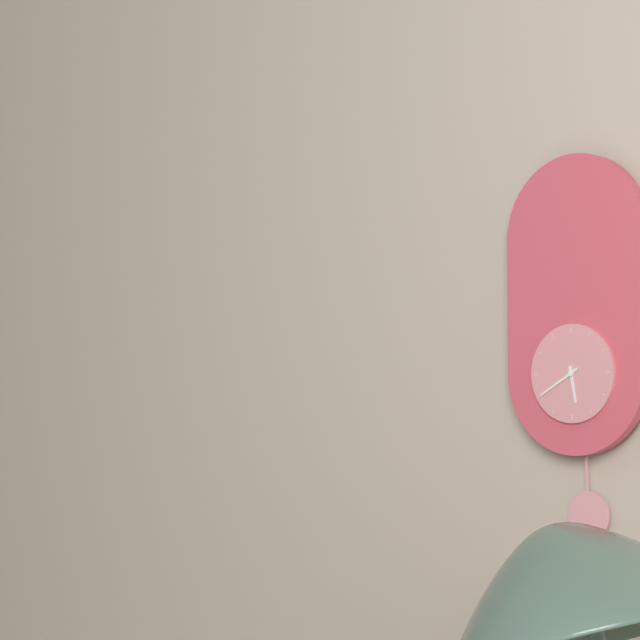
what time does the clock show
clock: 5:40
